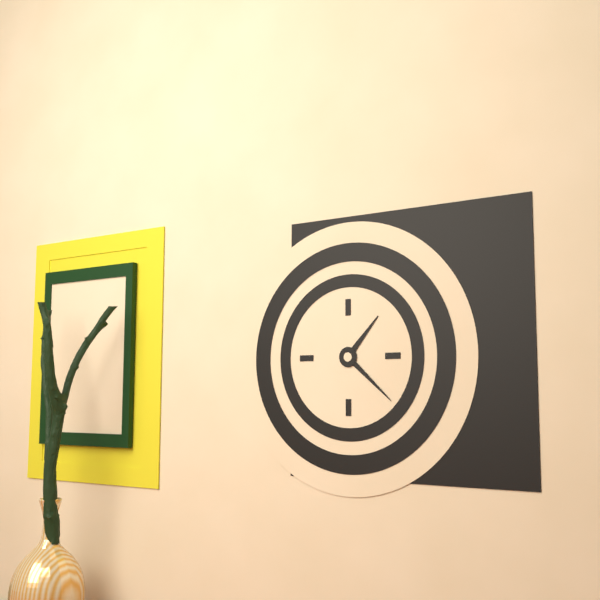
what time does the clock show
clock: 1:22
